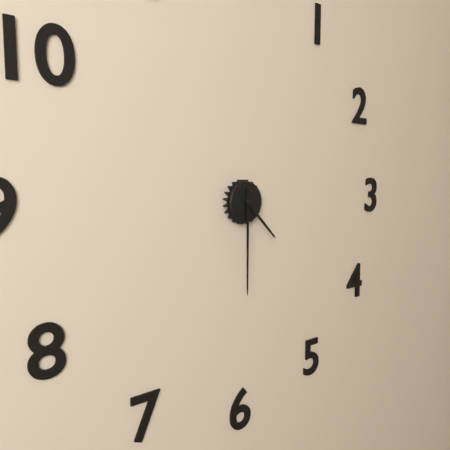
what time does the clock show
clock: 4:30
